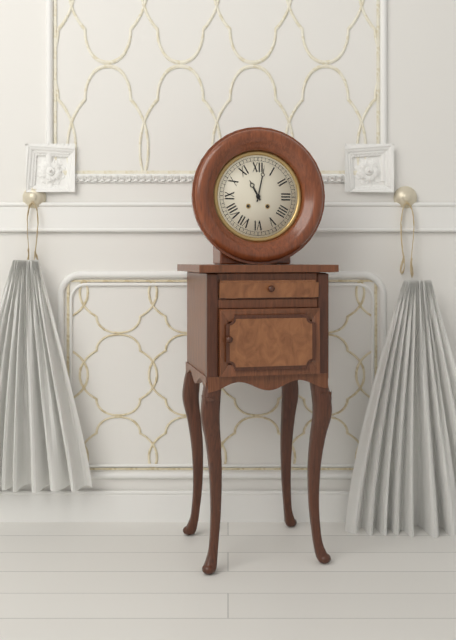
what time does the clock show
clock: 11:02
